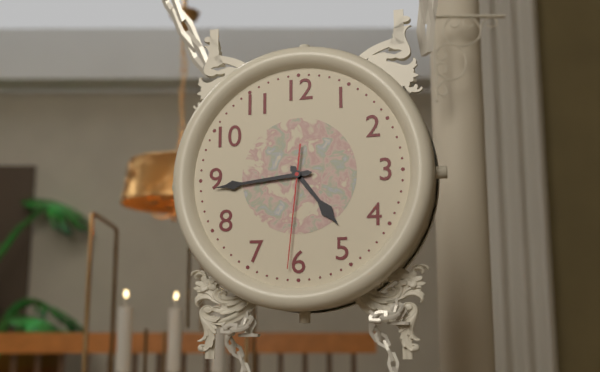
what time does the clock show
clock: 4:44:31
